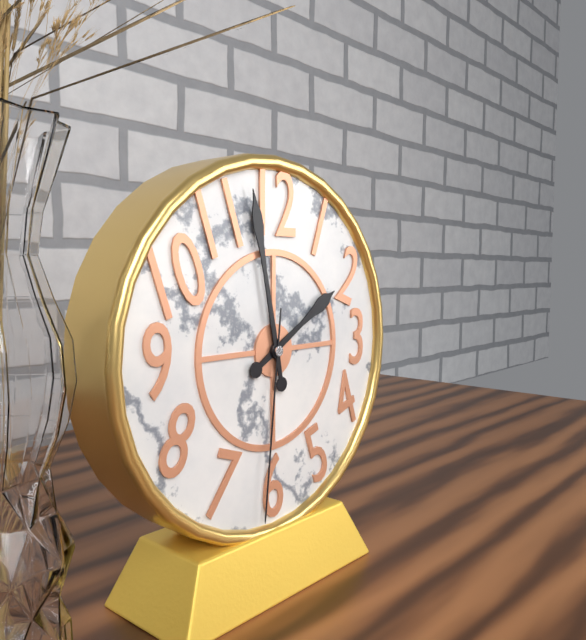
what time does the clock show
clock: 1:58:31
